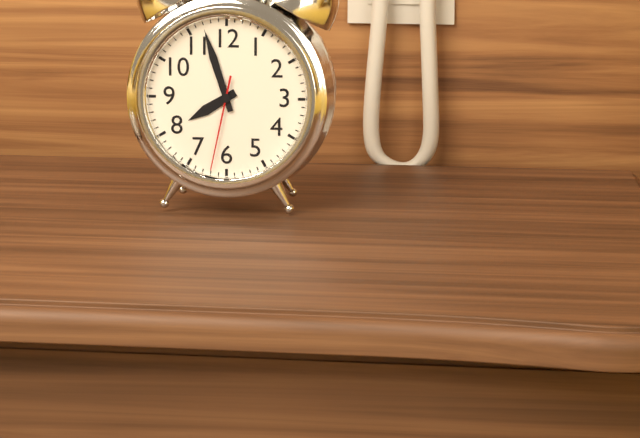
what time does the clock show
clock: 7:57:32
